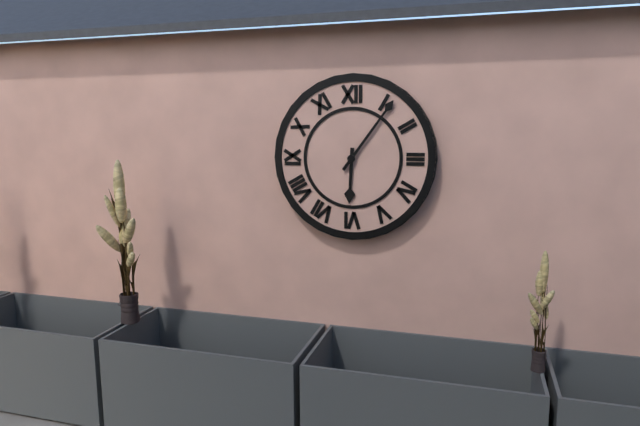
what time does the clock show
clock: 6:06
